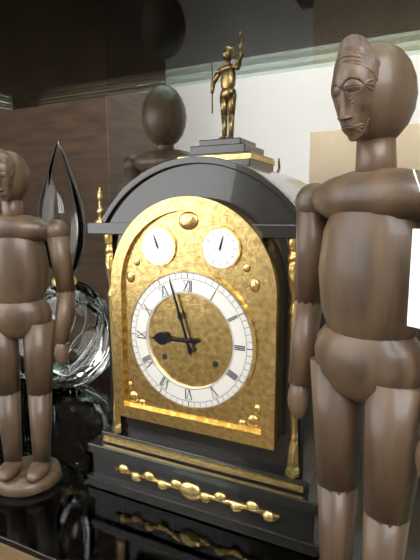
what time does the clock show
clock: 8:57
